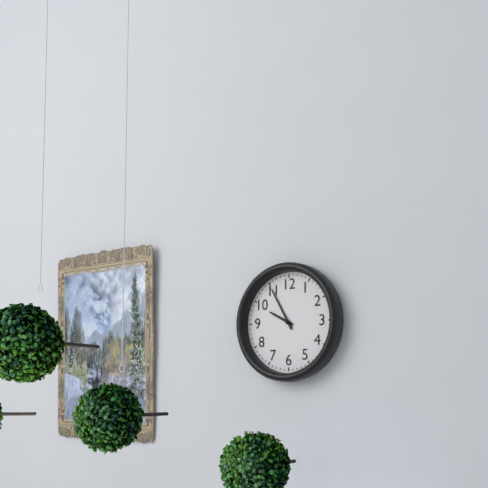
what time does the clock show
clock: 9:55
